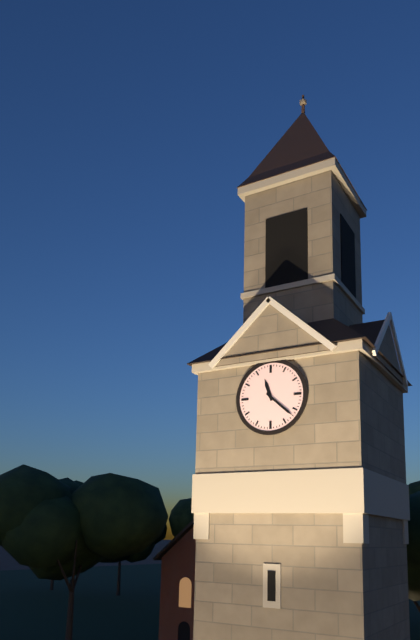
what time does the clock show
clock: 11:22
